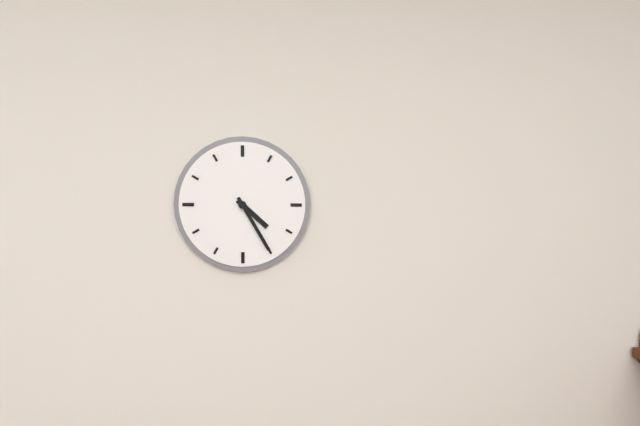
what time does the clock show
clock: 4:25
